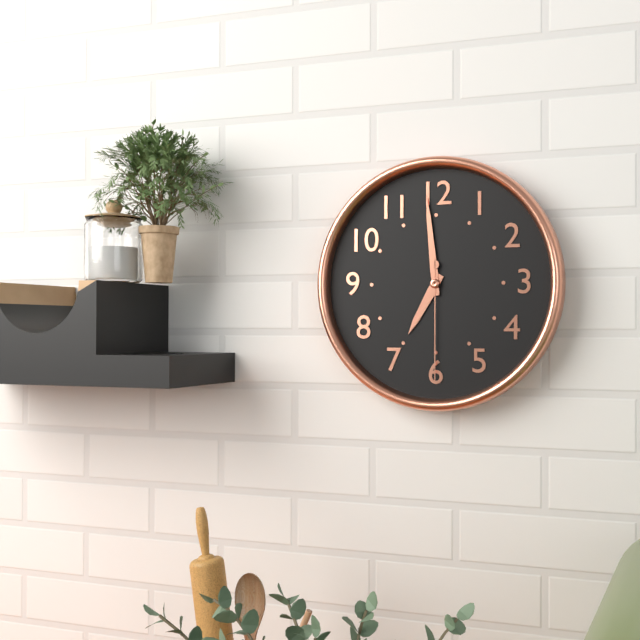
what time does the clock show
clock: 6:59:30
